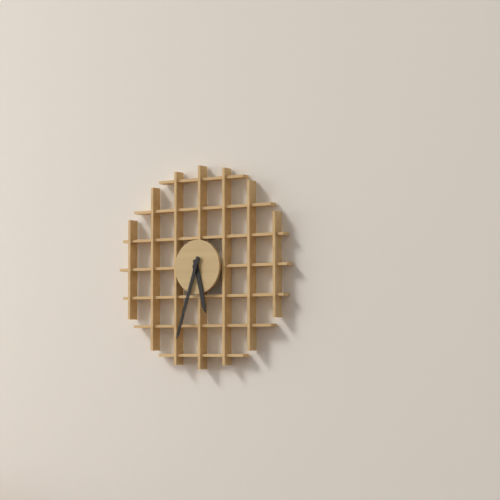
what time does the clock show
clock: 5:33
